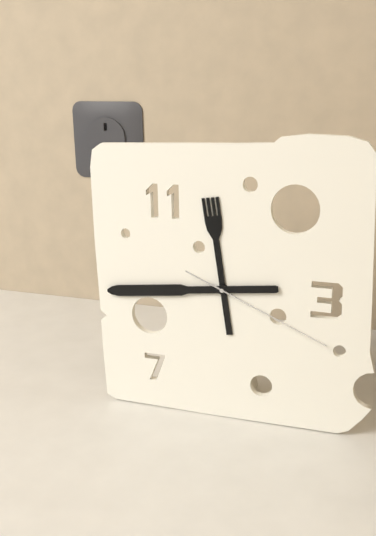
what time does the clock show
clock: 11:44:19
